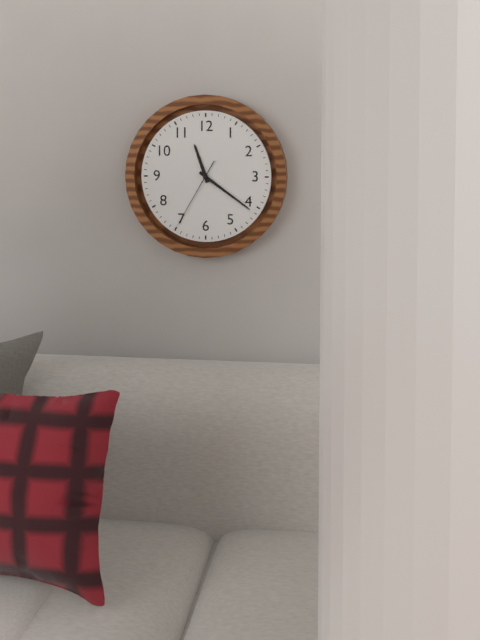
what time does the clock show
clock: 11:21:35
